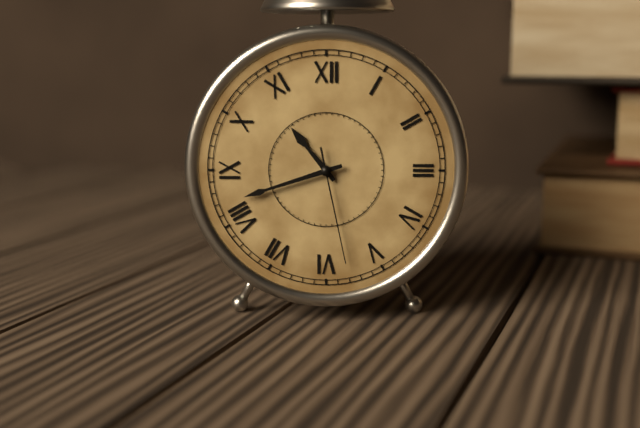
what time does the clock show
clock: 10:42:28
